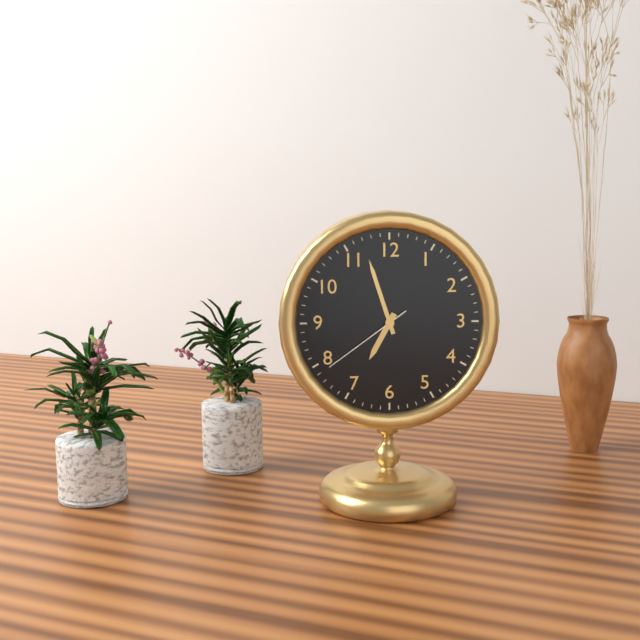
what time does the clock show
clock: 6:57:39
